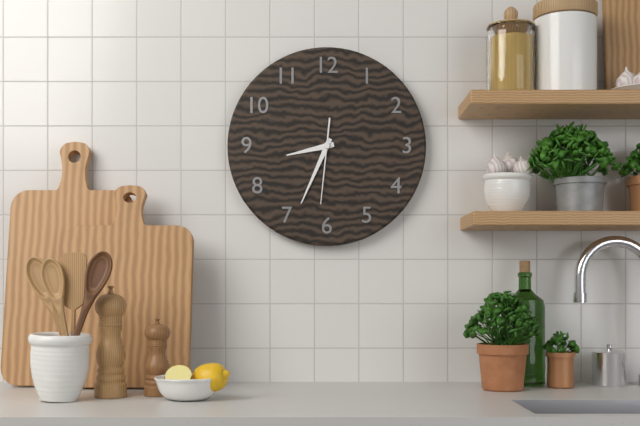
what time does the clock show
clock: 8:34:31
